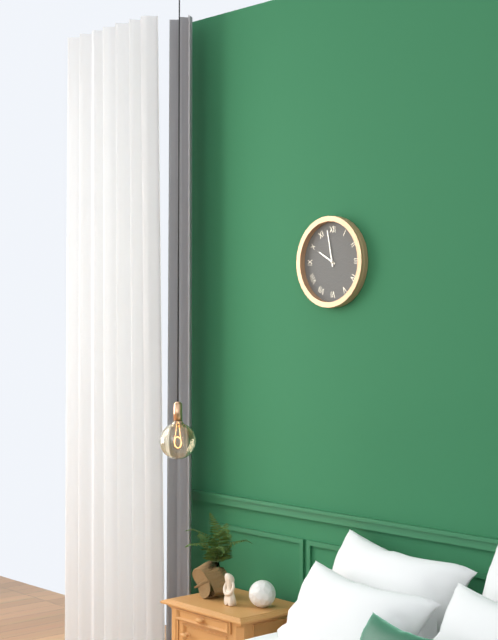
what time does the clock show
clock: 9:58
